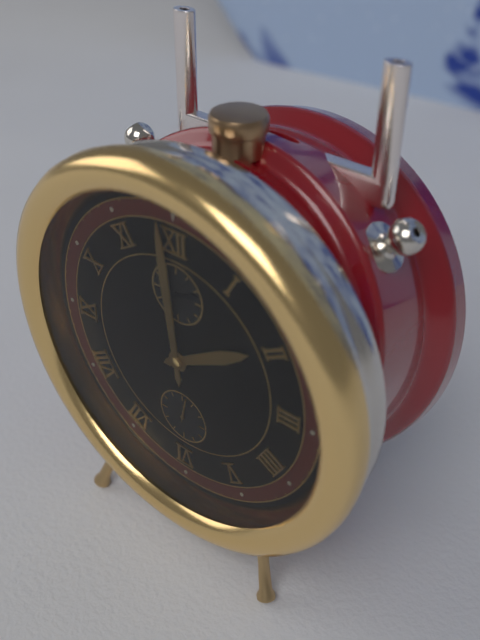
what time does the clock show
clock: 1:59:02
